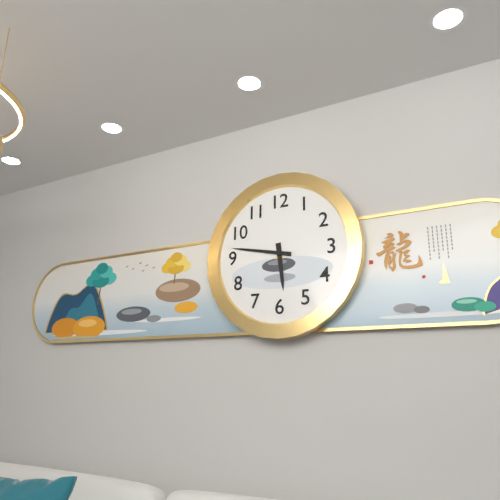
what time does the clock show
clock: 5:47
